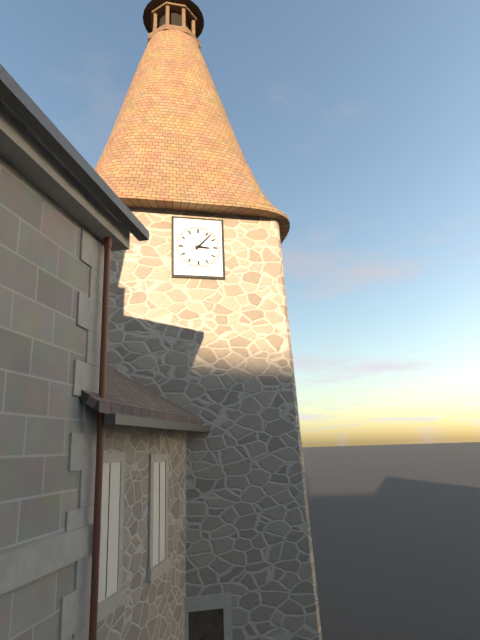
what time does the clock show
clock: 3:07
